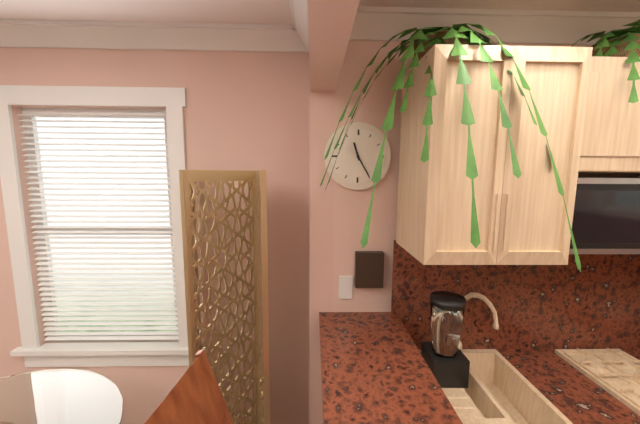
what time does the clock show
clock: 11:25
